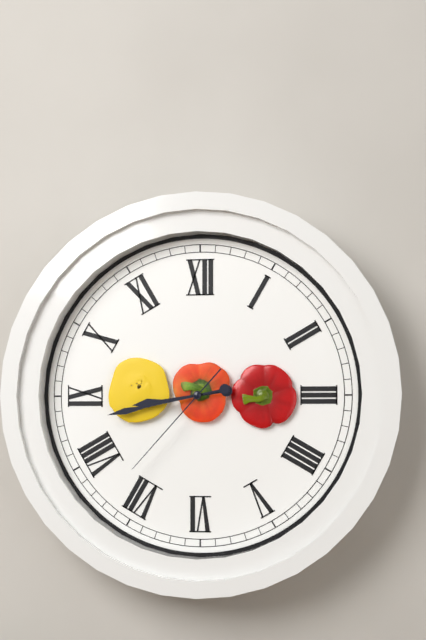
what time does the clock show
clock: 8:43:37
